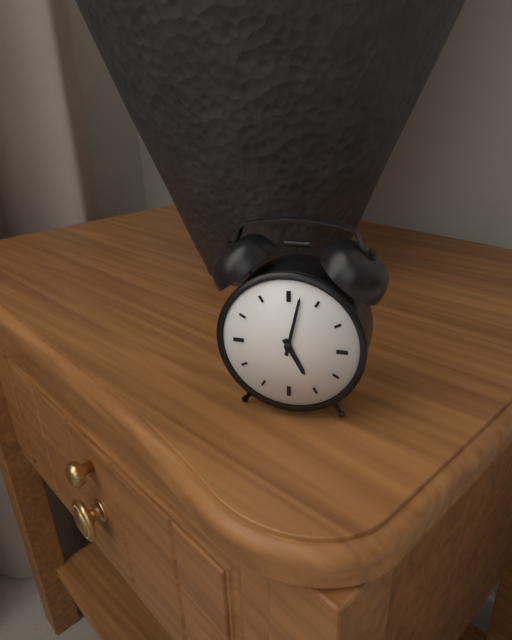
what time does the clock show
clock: 5:02
